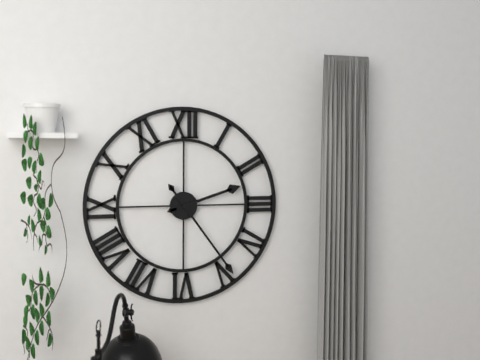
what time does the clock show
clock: 2:24
